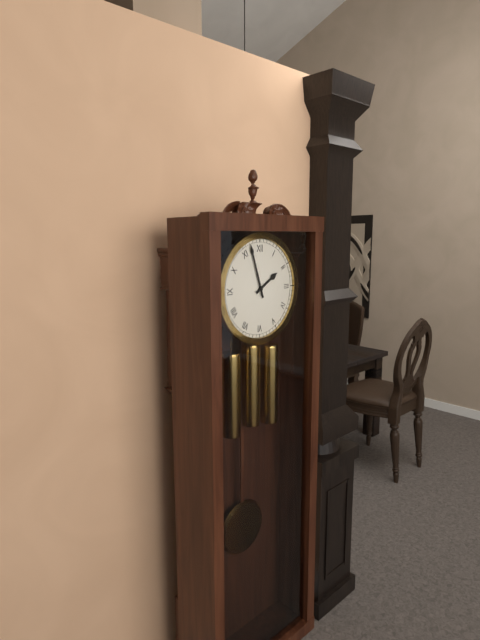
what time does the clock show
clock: 1:57
